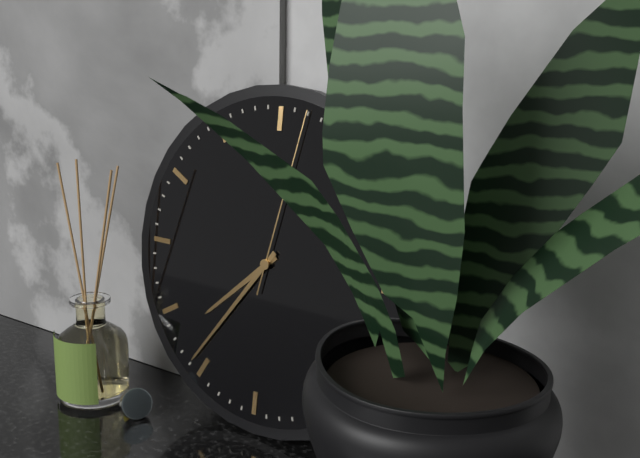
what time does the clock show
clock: 7:36:02
